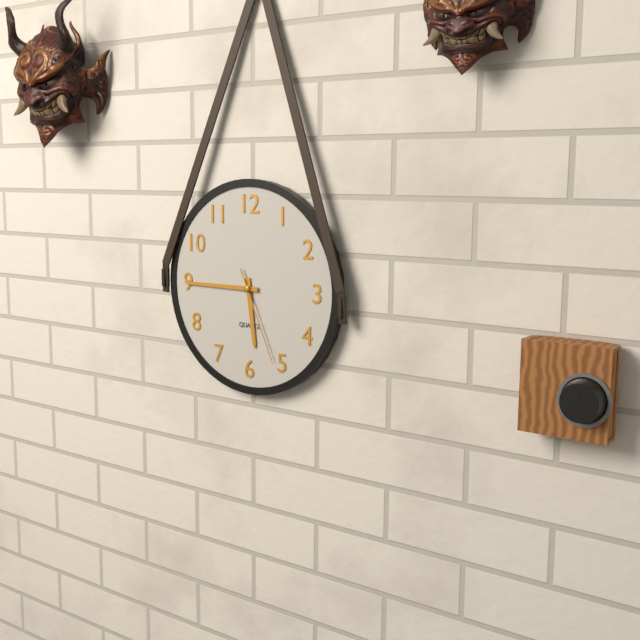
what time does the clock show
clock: 5:45:26
